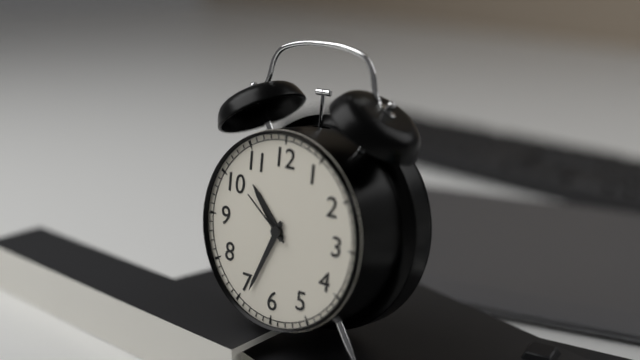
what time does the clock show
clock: 10:34:51
